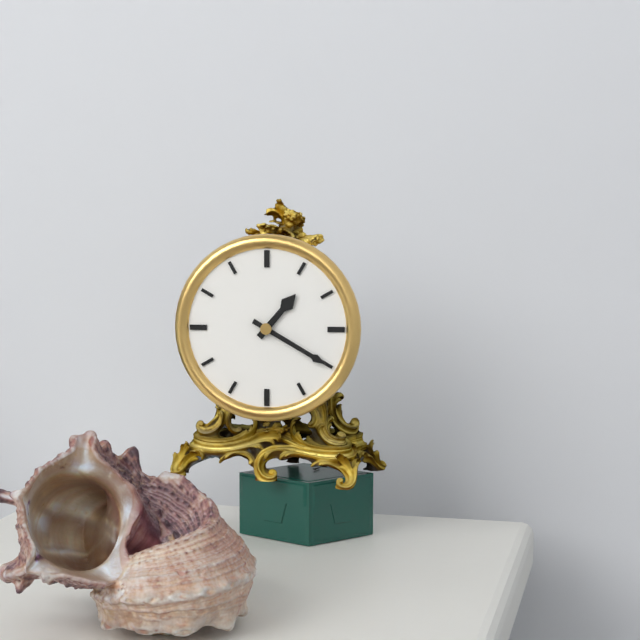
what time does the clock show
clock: 1:20
